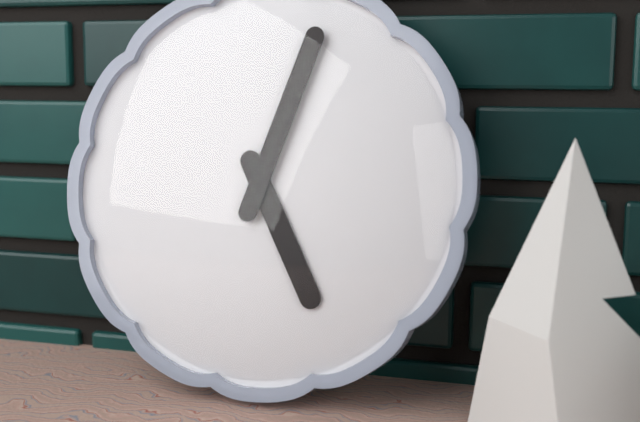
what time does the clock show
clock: 5:03
